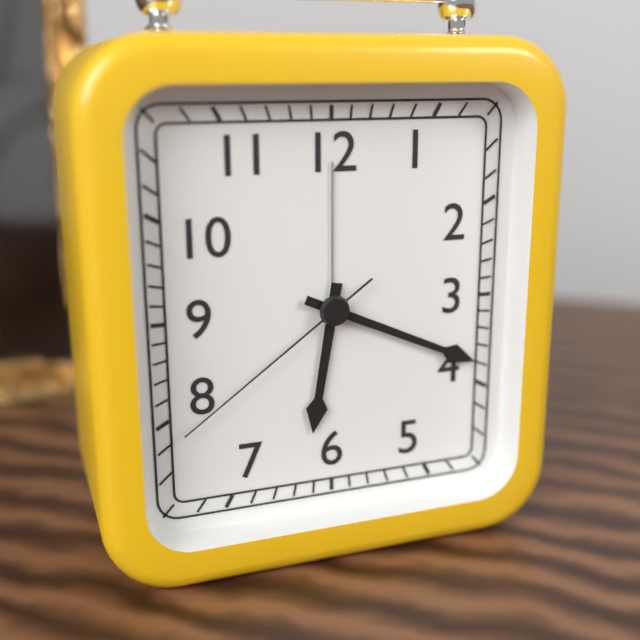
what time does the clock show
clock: 6:19:39
